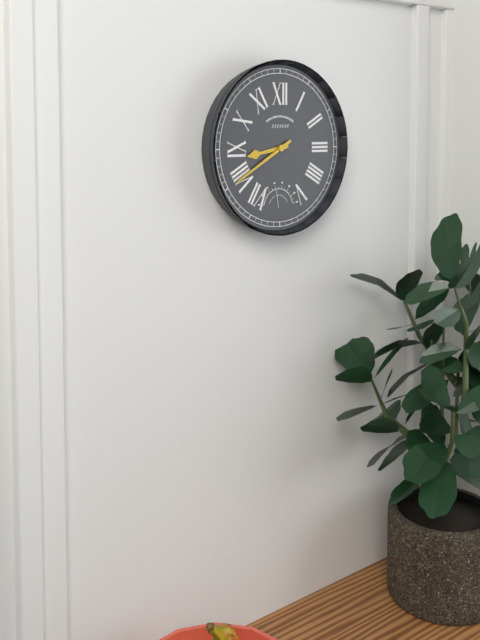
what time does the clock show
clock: 8:40
